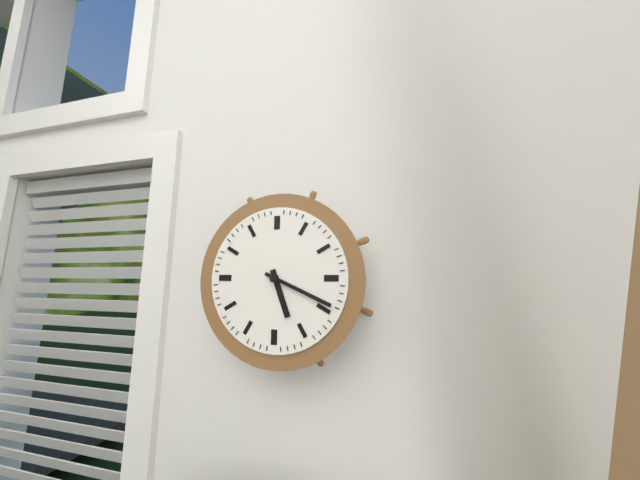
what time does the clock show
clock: 5:19
